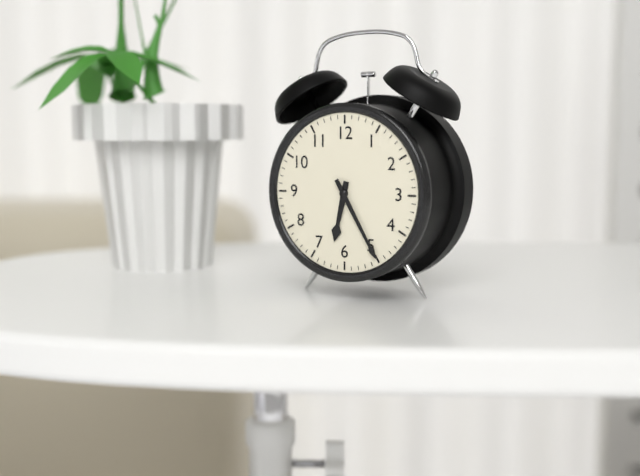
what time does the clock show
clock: 6:25
